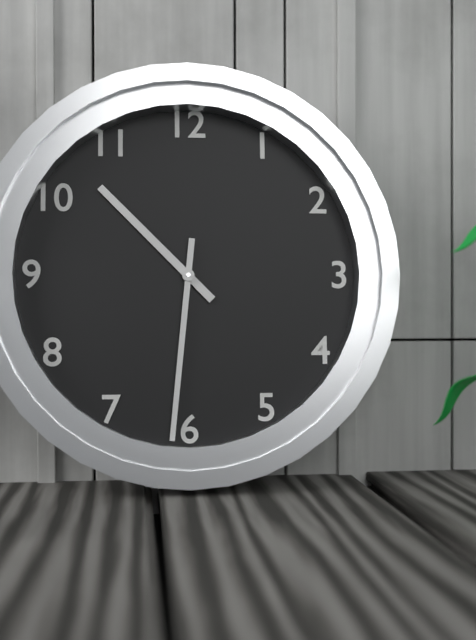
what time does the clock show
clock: 10:31
